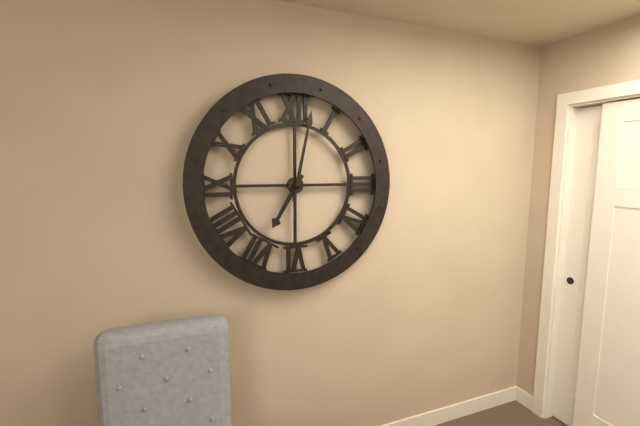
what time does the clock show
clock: 7:02
